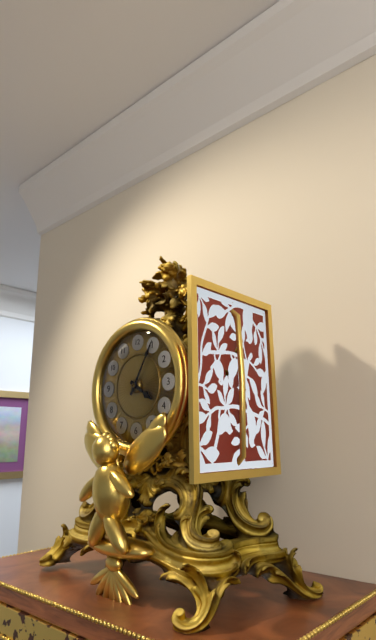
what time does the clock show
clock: 4:05
